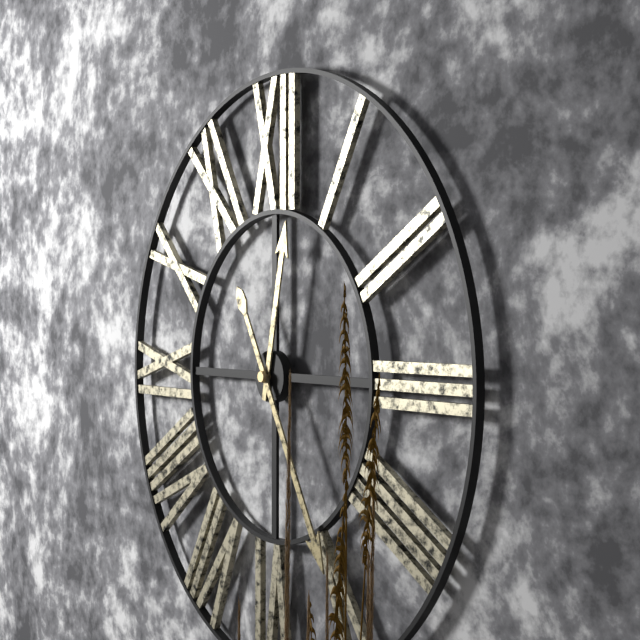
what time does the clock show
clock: 12:25
